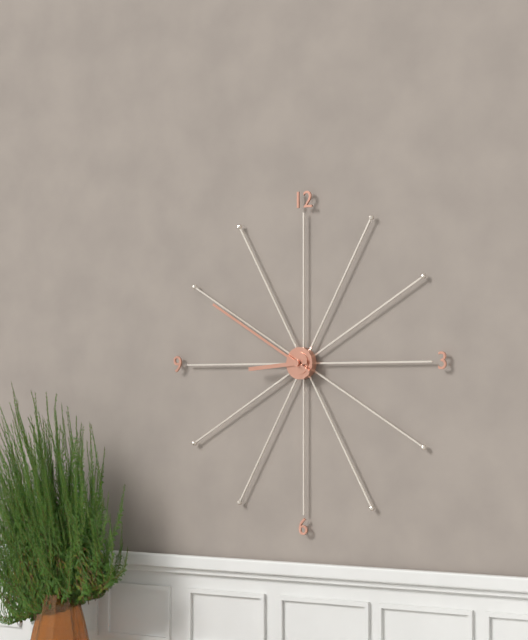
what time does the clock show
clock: 8:50
